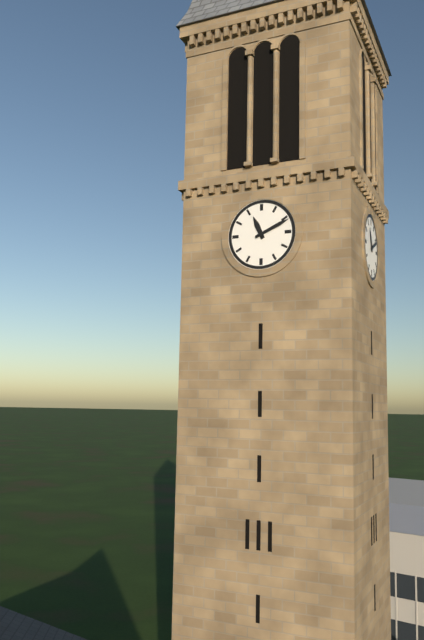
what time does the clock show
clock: 11:11
